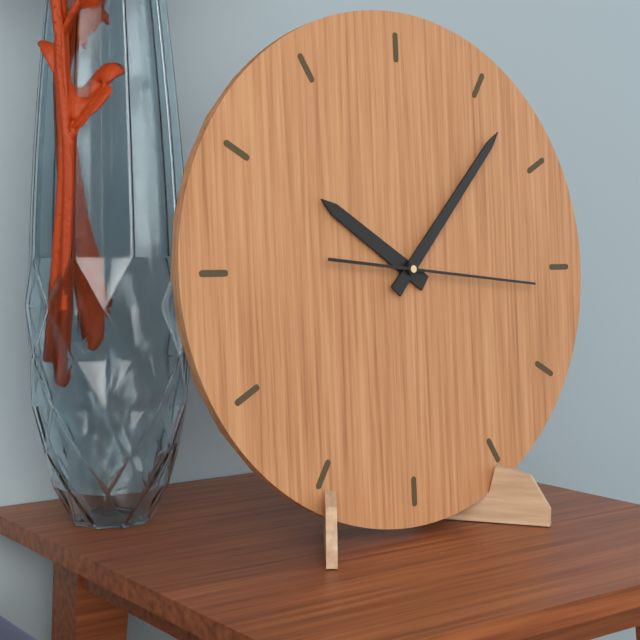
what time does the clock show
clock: 10:07:16
